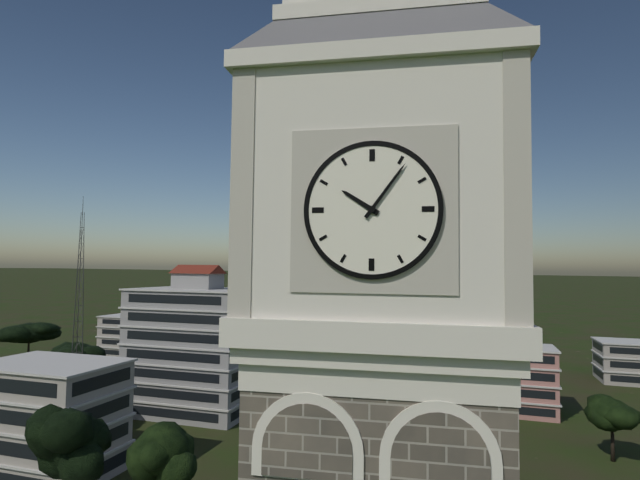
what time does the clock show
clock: 10:06
